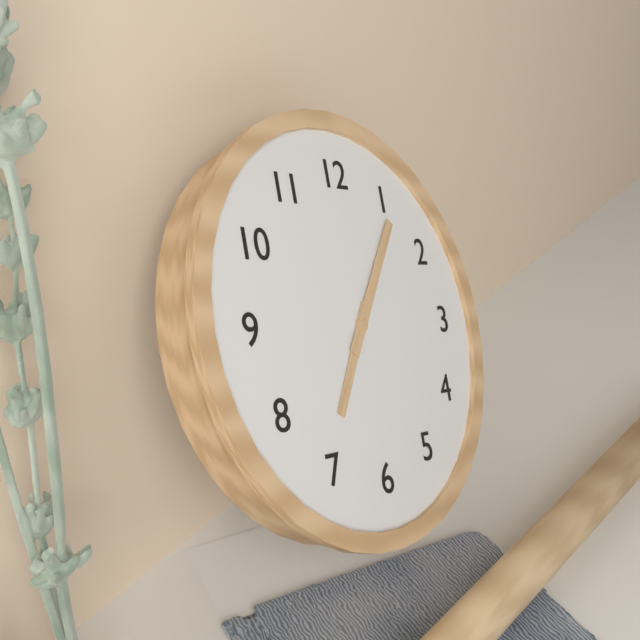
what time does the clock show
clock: 7:06
